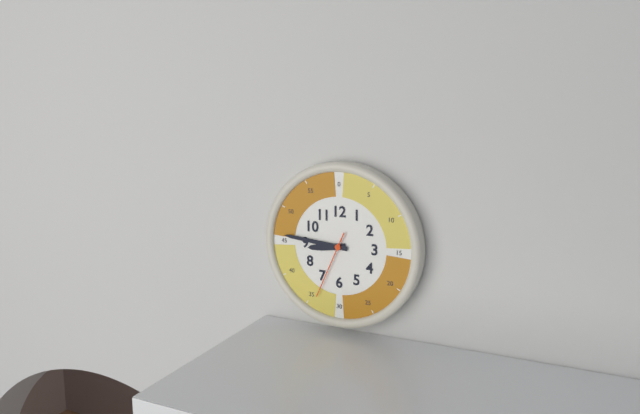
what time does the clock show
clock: 8:46:34
